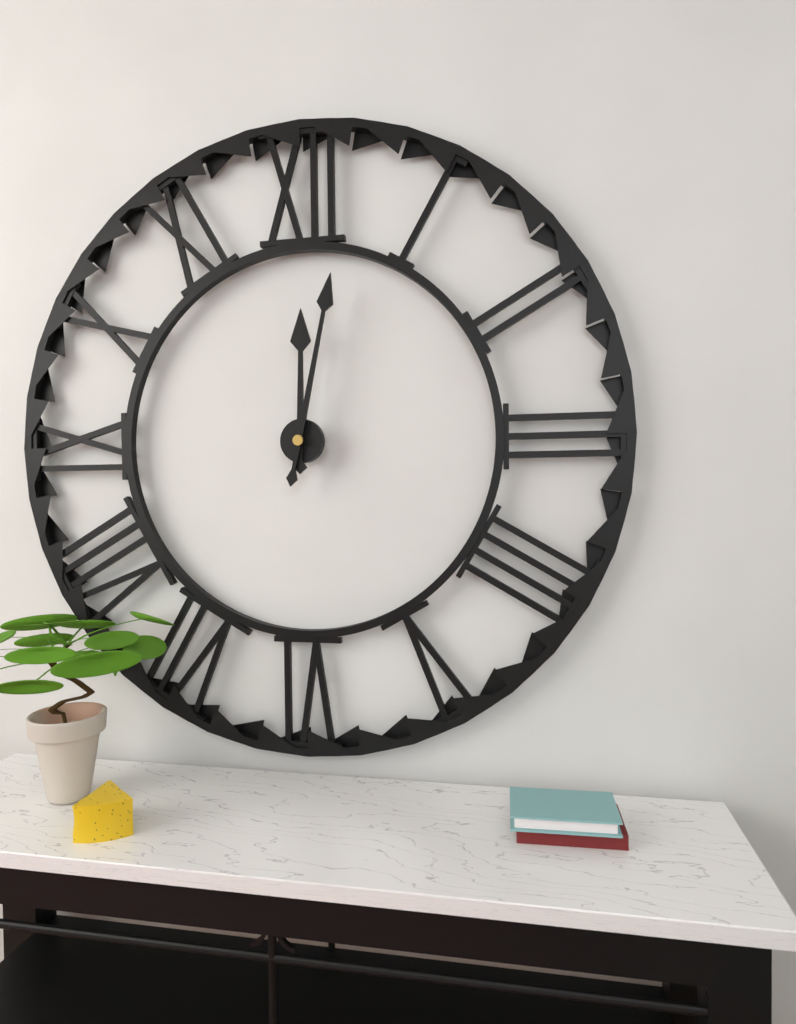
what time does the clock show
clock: 12:02
